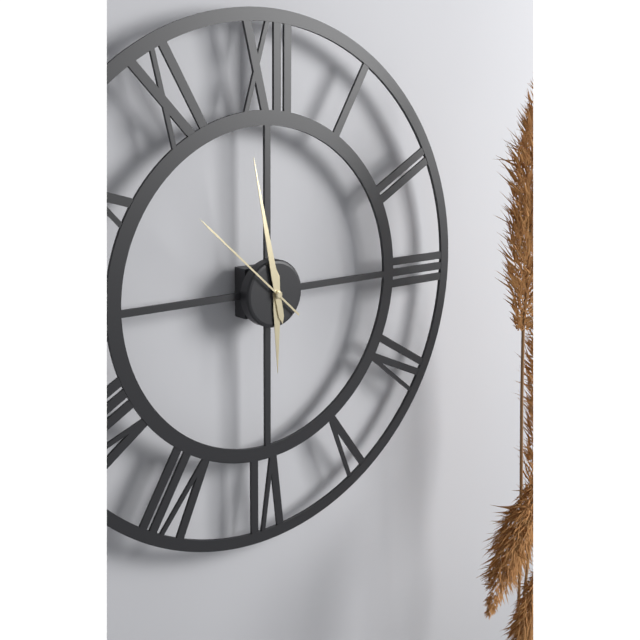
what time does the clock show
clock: 5:58:52
